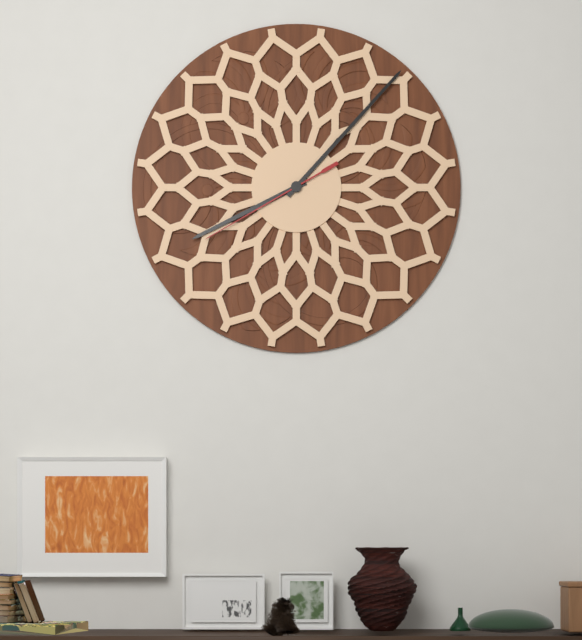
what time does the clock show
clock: 8:07:40
